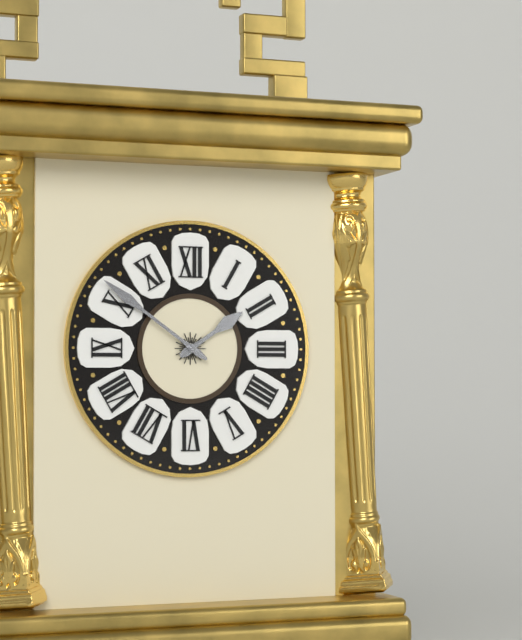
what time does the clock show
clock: 1:51
